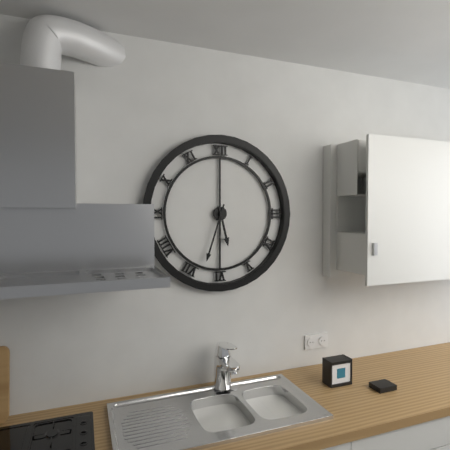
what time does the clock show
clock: 5:33
